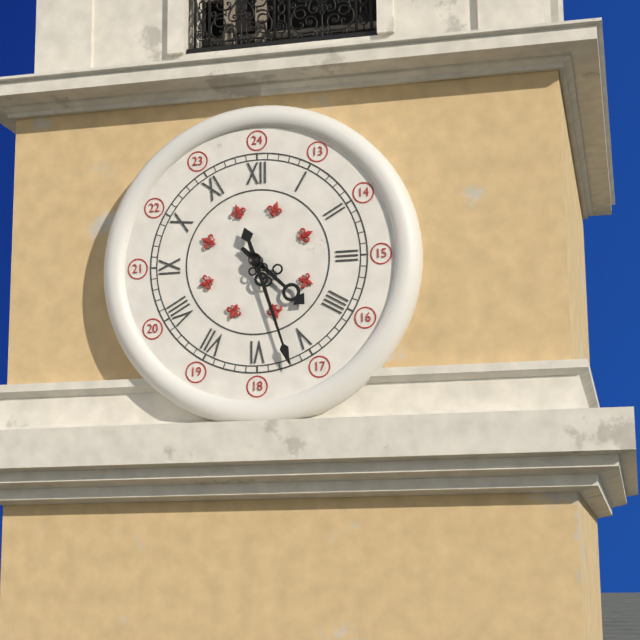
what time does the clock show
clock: 4:27
